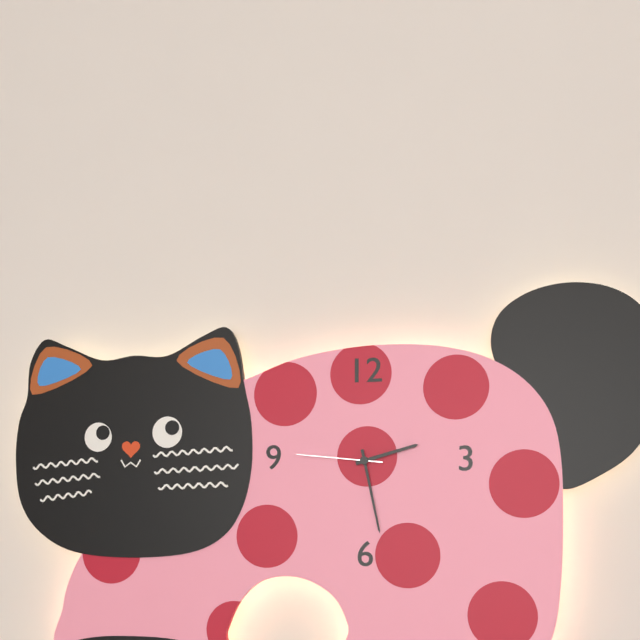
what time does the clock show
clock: 2:28:46
